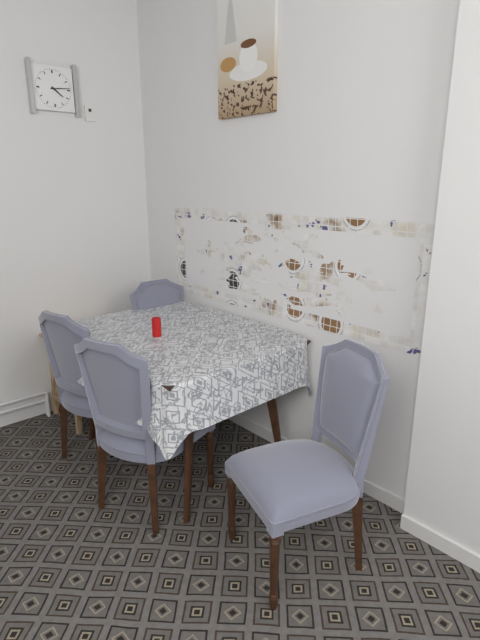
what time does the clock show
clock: 4:14
